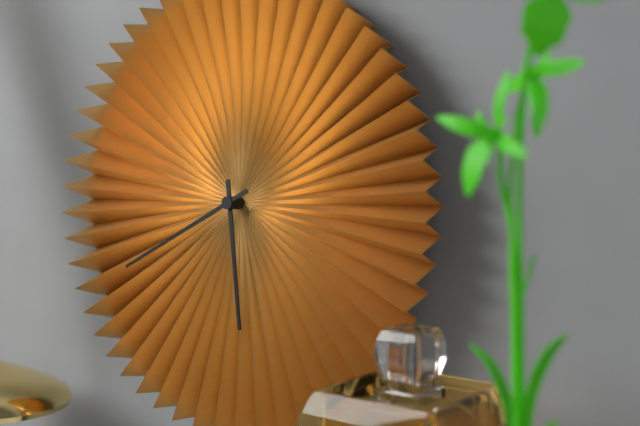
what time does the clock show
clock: 5:40
